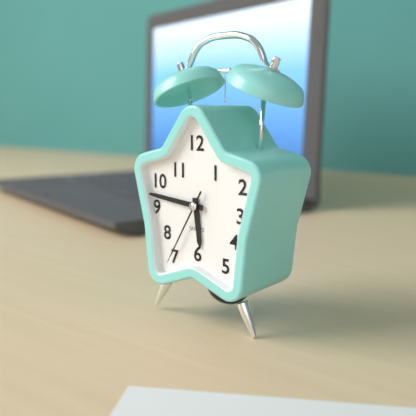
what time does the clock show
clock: 5:46:35
